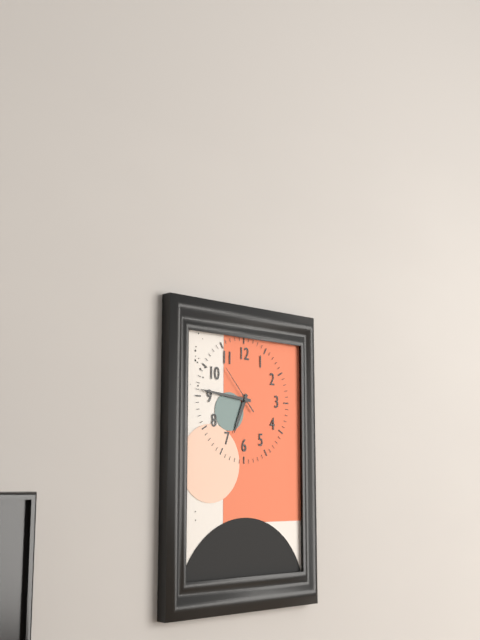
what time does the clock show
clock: 6:46
